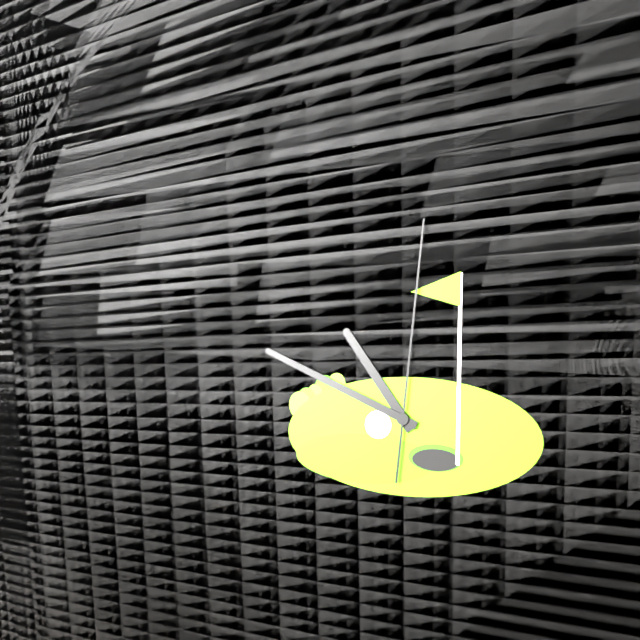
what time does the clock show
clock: 10:49:01
